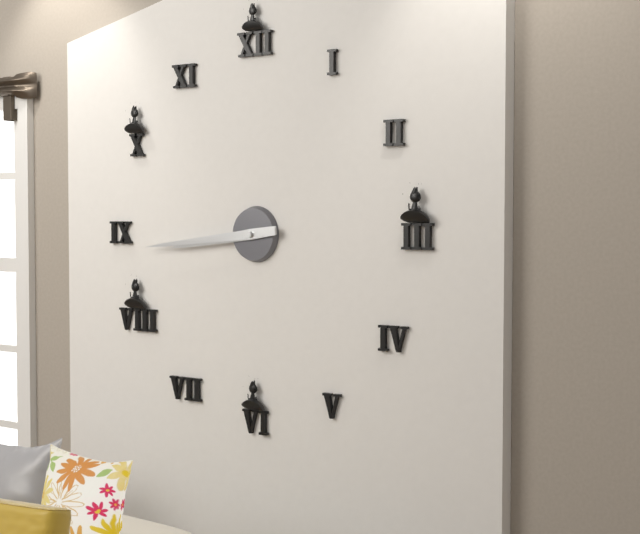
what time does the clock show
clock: 8:44
